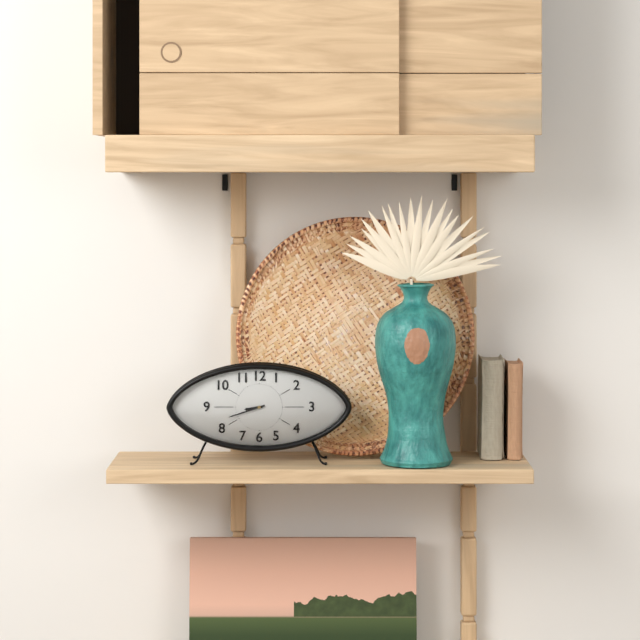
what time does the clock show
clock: 8:42
